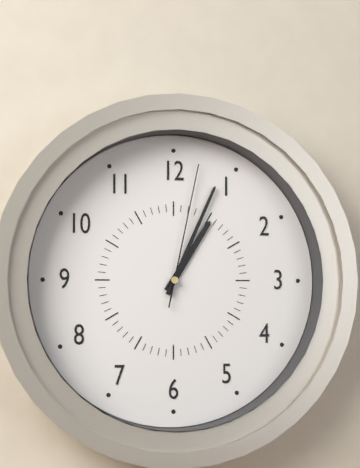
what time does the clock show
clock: 1:04:02
